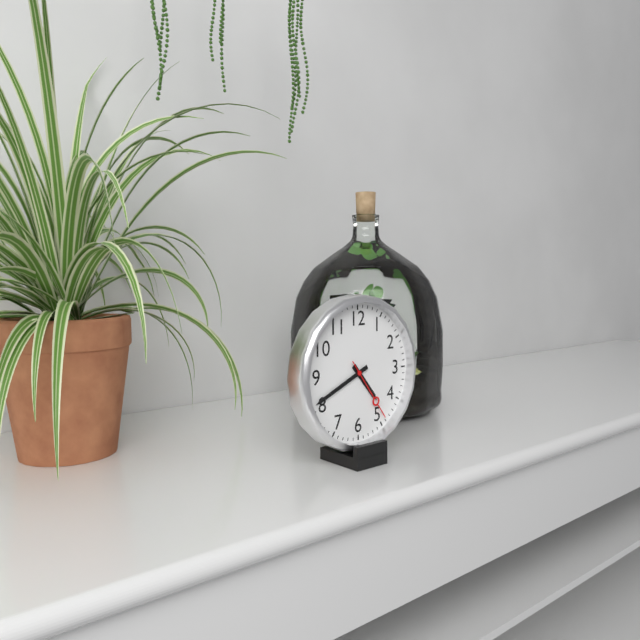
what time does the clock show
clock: 4:41:24
